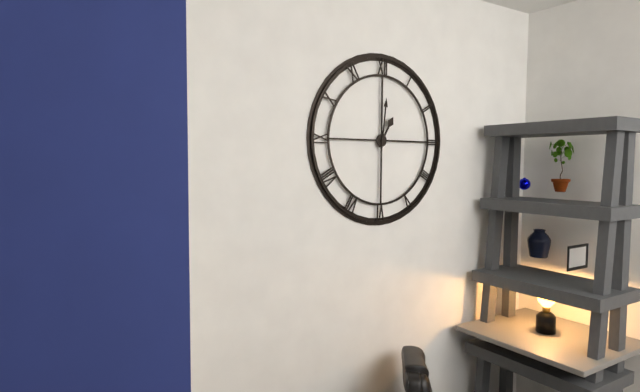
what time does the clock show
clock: 1:01
